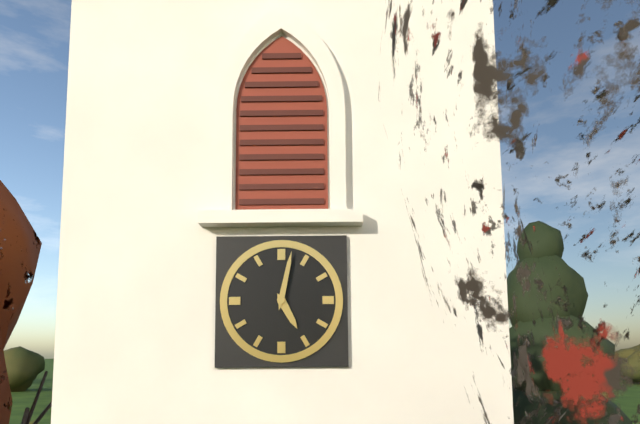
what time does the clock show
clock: 5:02
